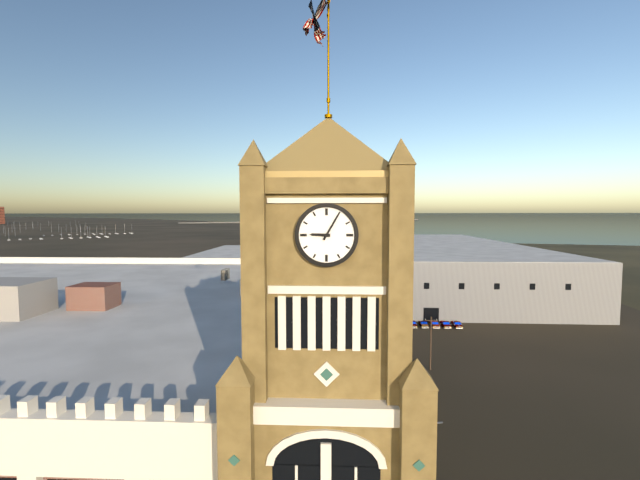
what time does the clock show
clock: 9:05
